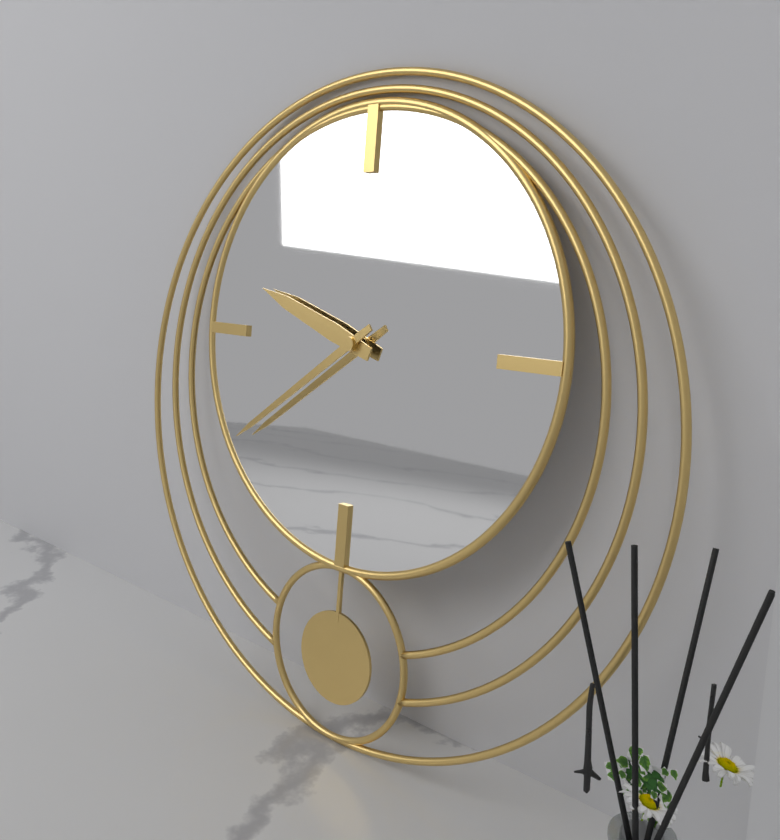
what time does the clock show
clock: 9:39
